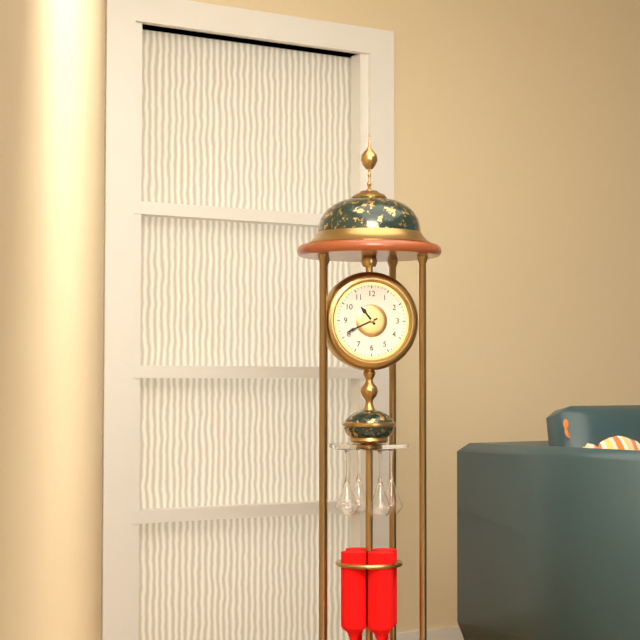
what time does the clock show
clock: 10:41
